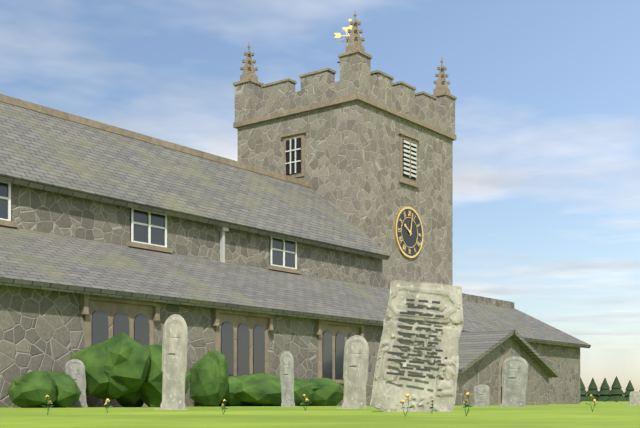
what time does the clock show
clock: 10:02
